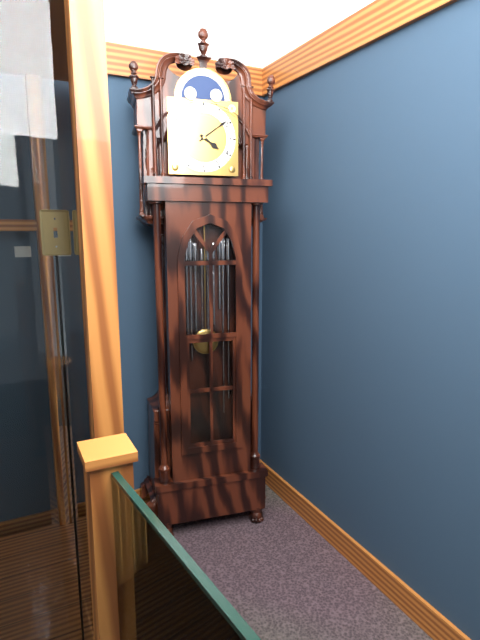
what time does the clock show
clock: 4:09
